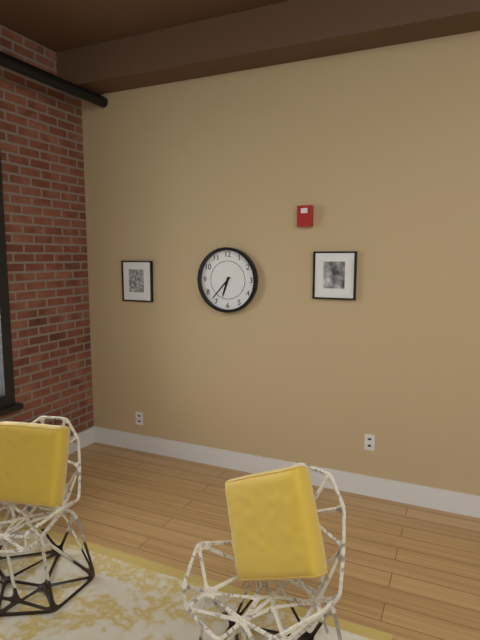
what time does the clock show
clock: 6:37
